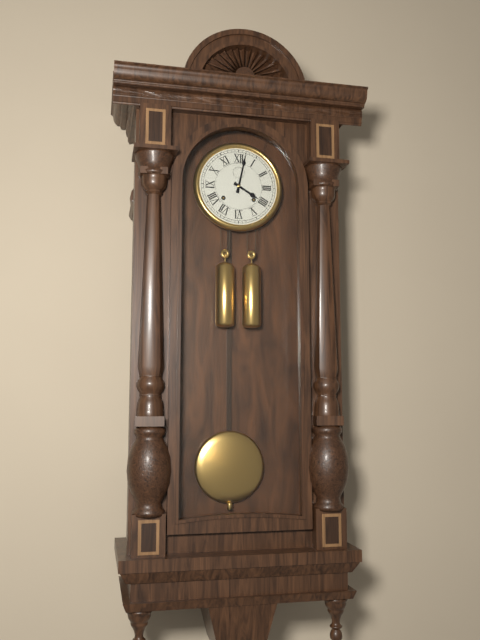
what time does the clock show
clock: 4:02
